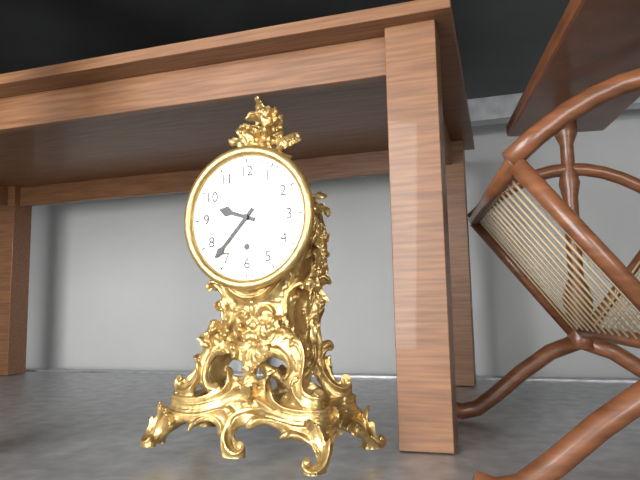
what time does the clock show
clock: 9:37
